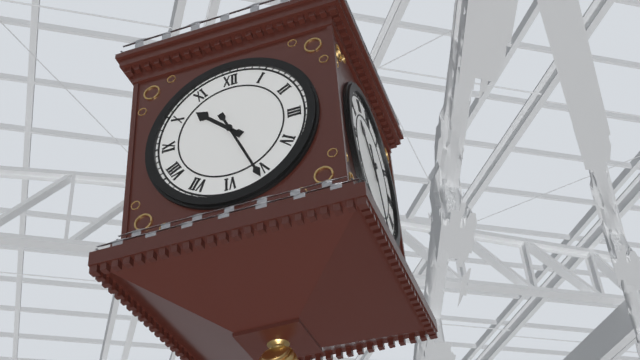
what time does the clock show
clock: 10:26
